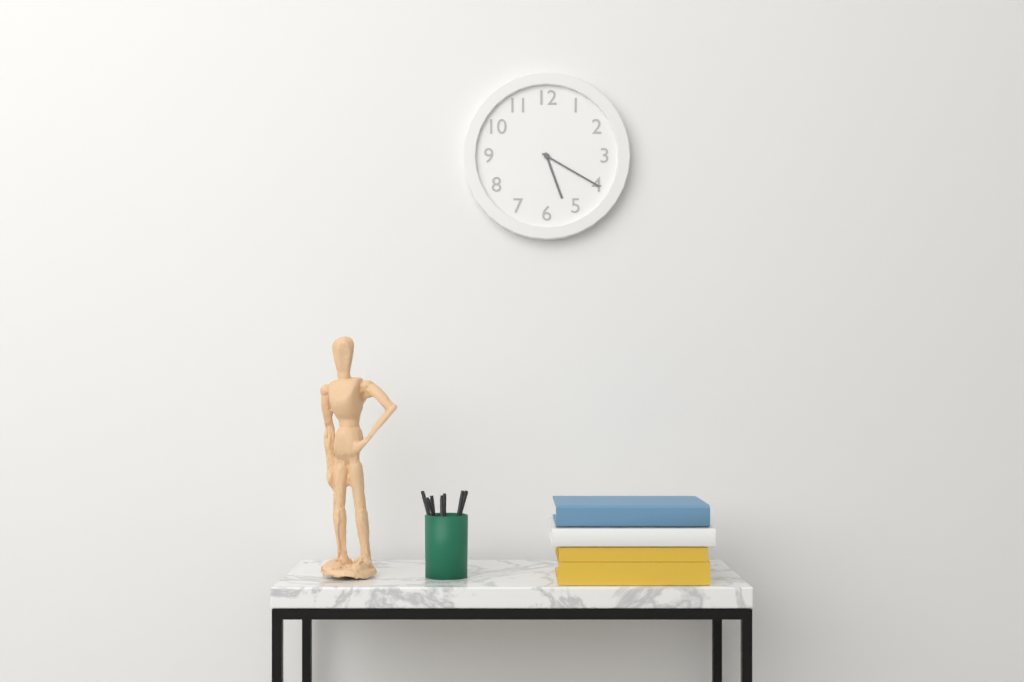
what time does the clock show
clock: 5:20
